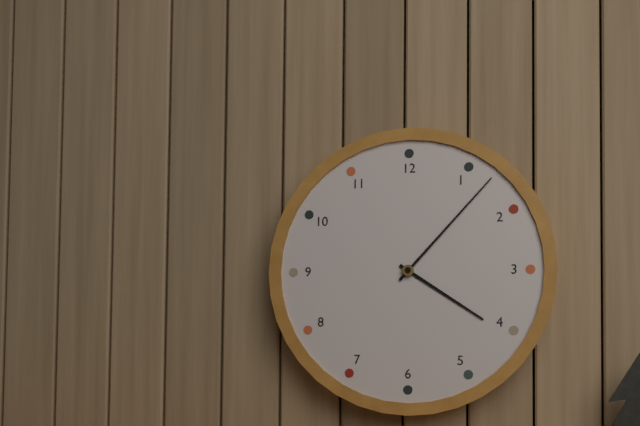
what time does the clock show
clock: 4:07
